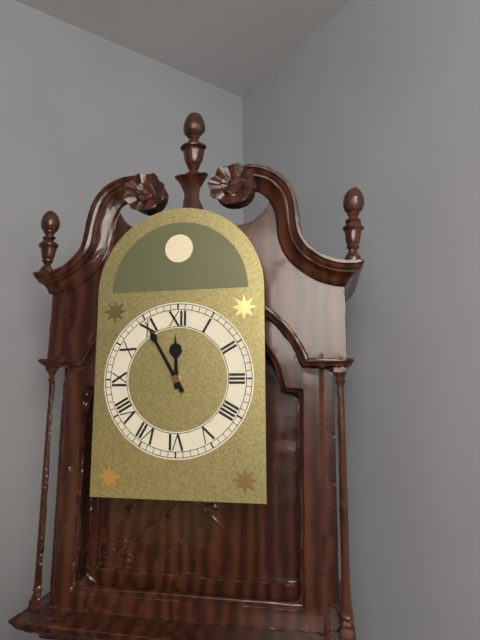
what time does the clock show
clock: 11:55
